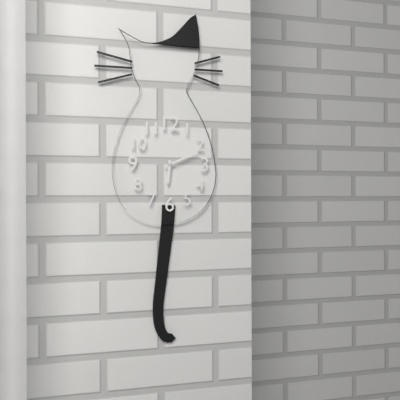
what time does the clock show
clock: 6:11
